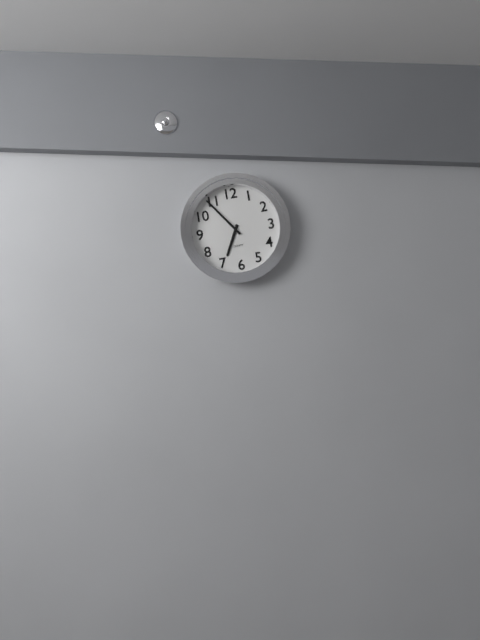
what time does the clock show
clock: 6:54
